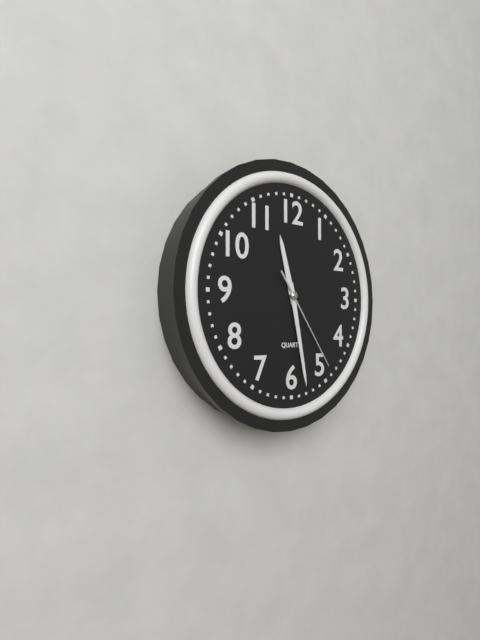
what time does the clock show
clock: 11:28:24
